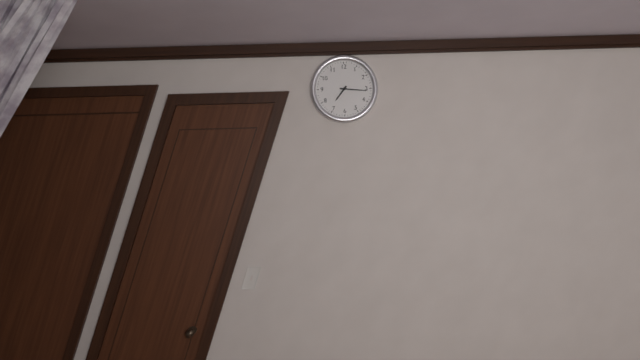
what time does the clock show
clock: 7:16
